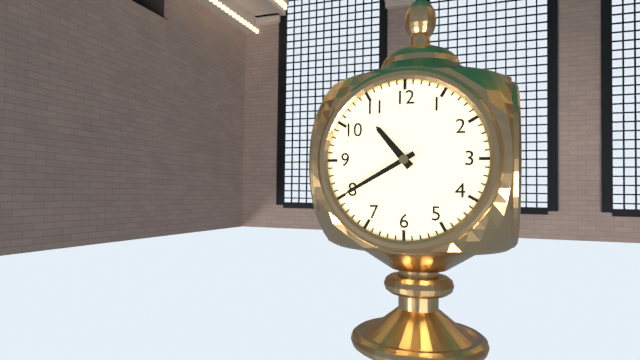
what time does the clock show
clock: 10:40
